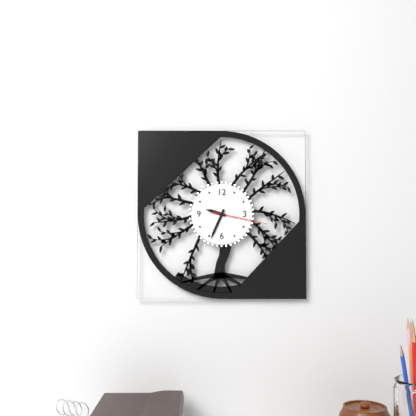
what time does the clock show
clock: 9:34:17
